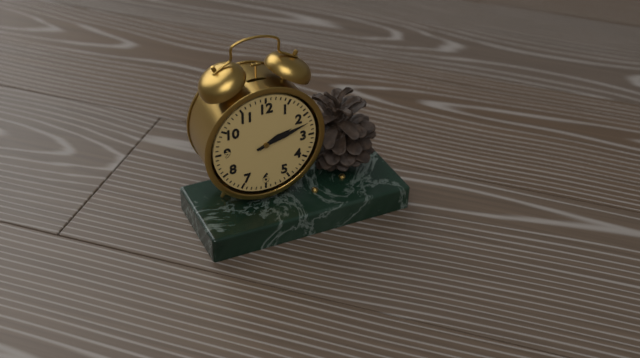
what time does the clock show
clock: 2:12
